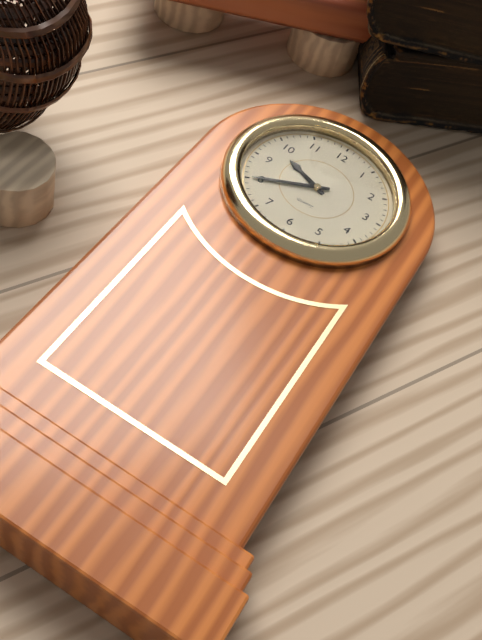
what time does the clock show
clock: 9:40
